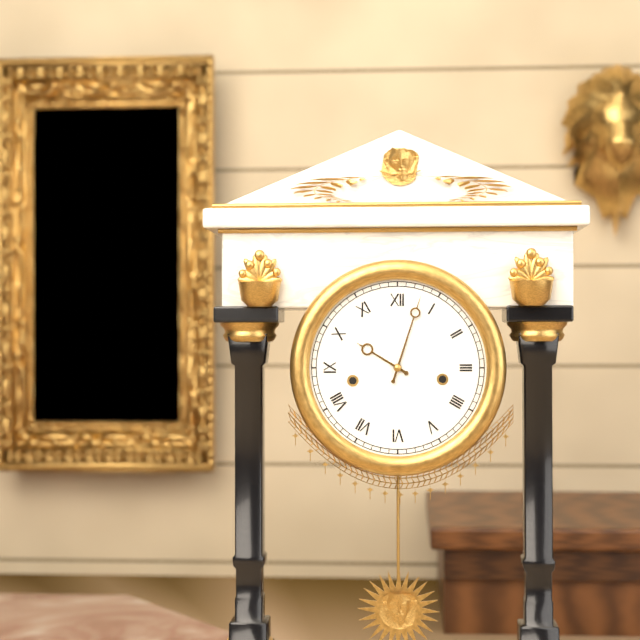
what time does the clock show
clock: 10:03
